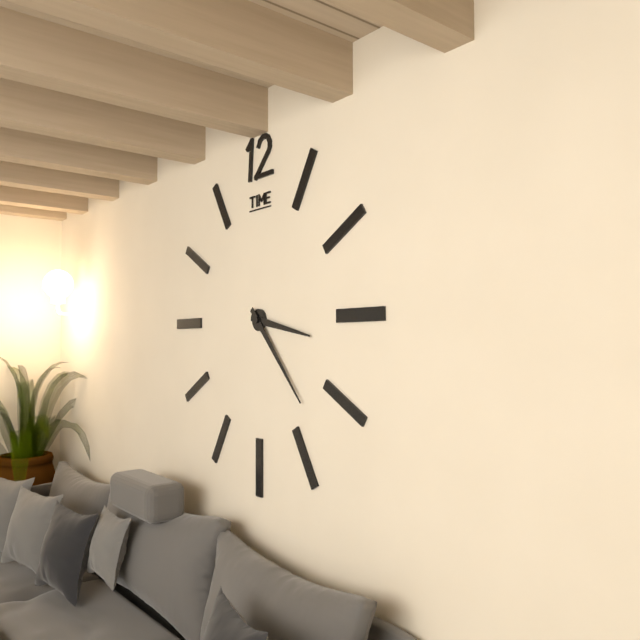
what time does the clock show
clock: 3:23
